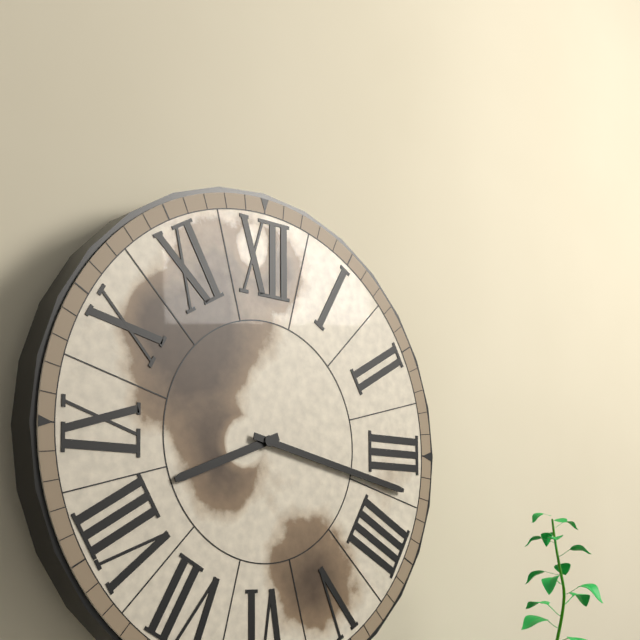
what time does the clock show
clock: 8:17
